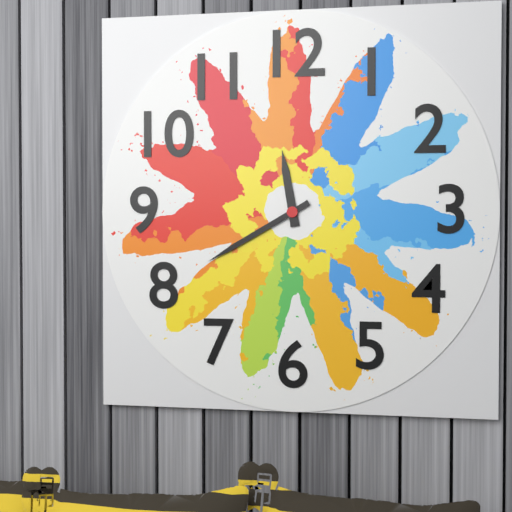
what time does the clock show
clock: 11:40
